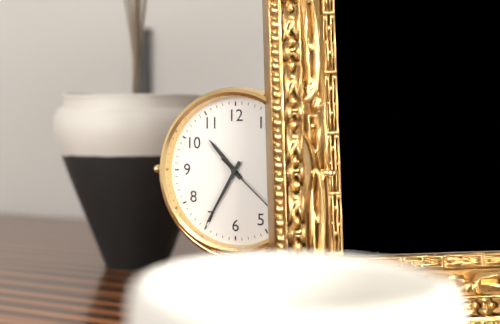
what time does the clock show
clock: 10:35:22
